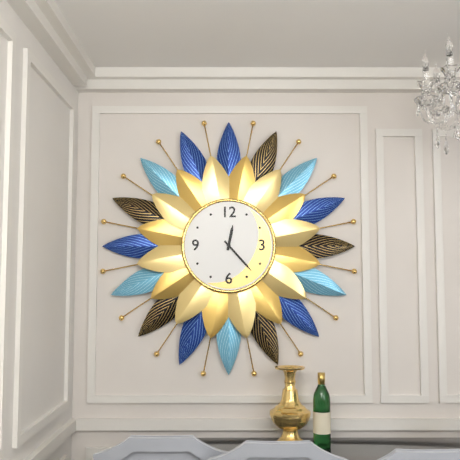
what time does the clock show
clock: 12:23
